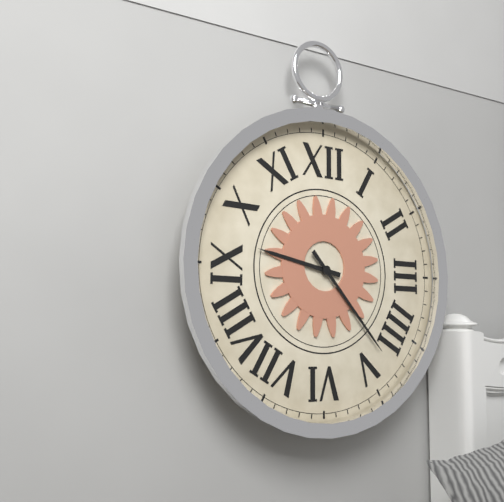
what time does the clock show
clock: 9:23
